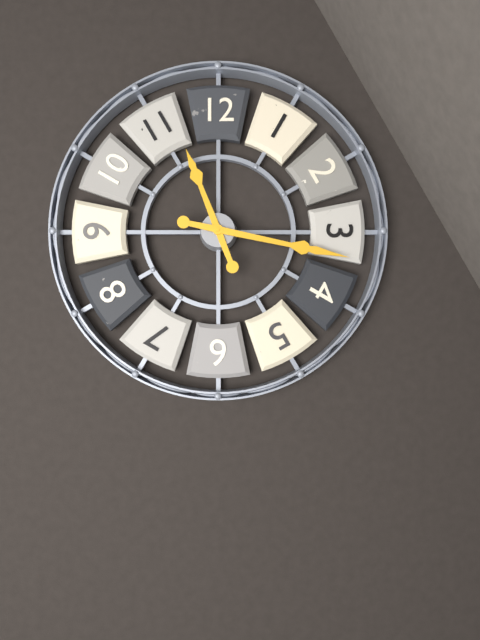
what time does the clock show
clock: 11:17
